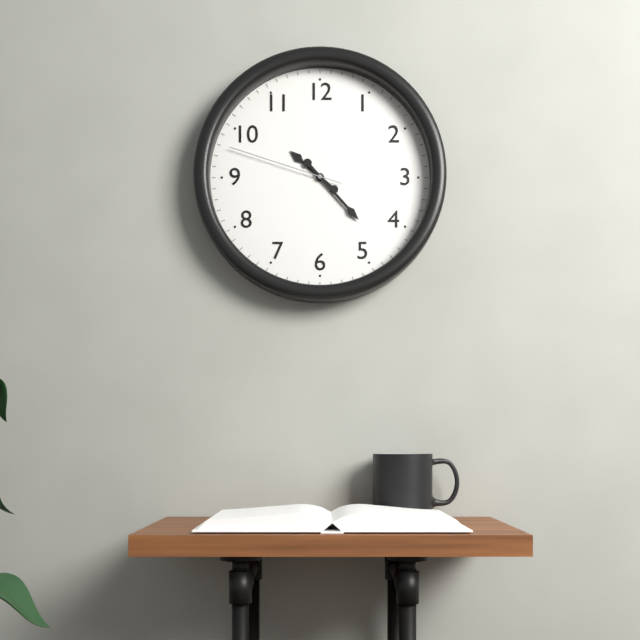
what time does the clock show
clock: 10:23:48
